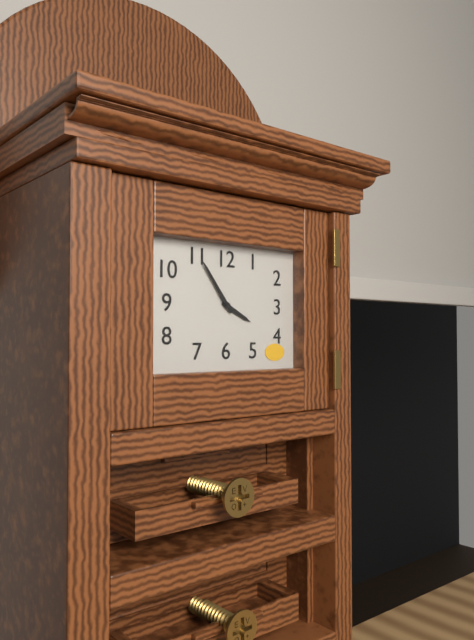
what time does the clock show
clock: 3:54
